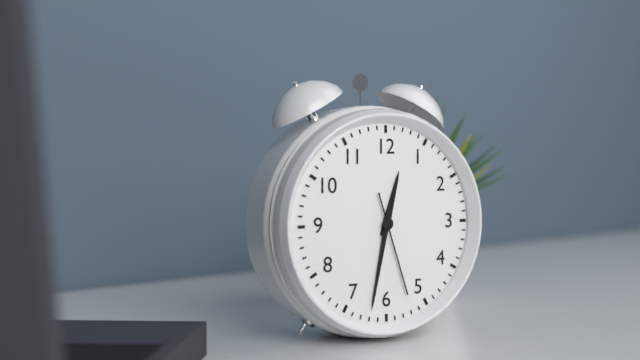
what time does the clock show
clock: 12:32:27
